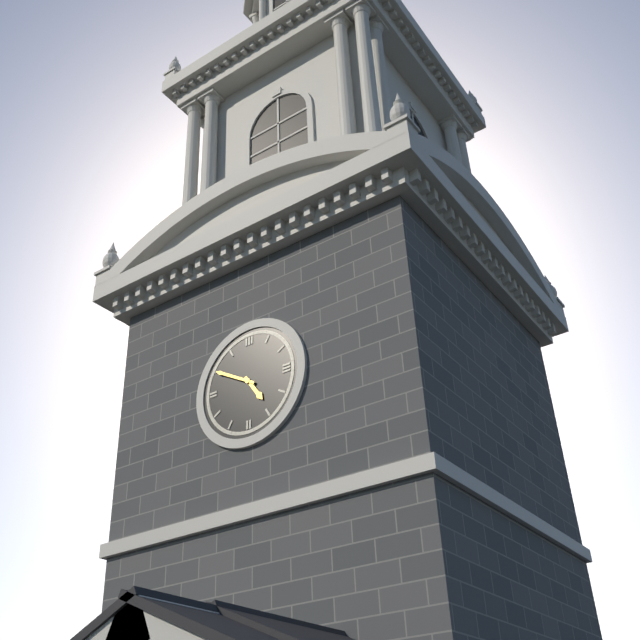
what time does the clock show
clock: 4:50
